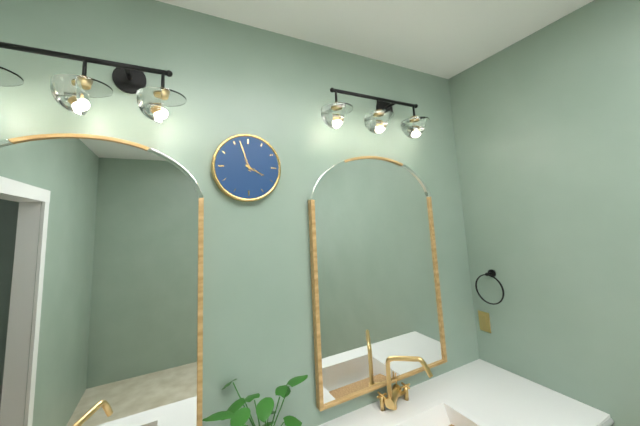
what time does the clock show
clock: 3:57
